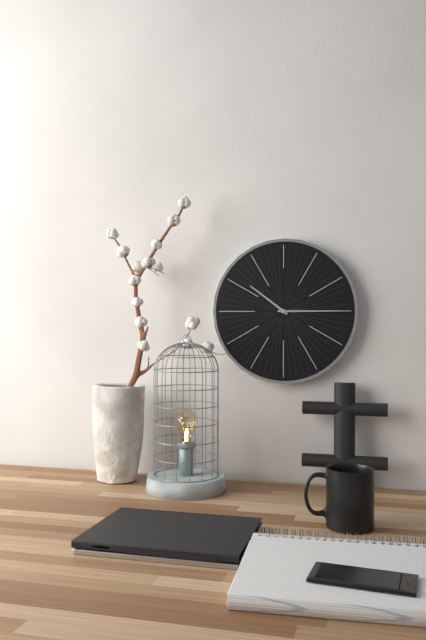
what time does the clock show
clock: 10:15
